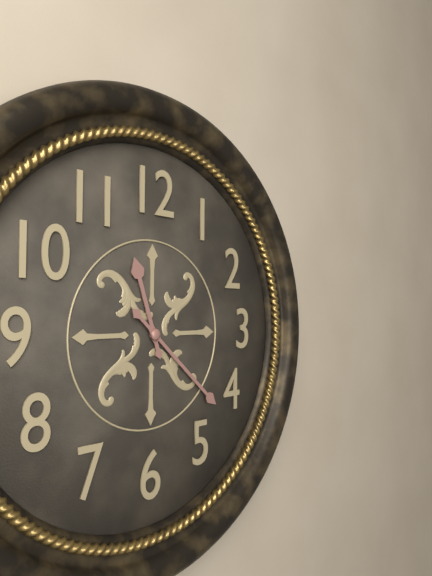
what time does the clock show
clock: 11:22
